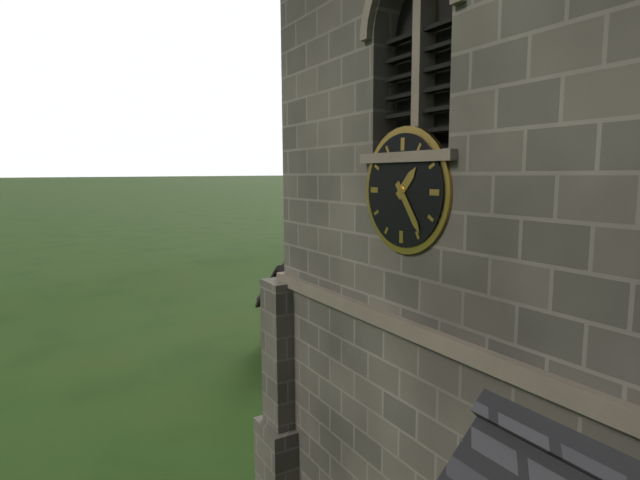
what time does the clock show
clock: 1:24
